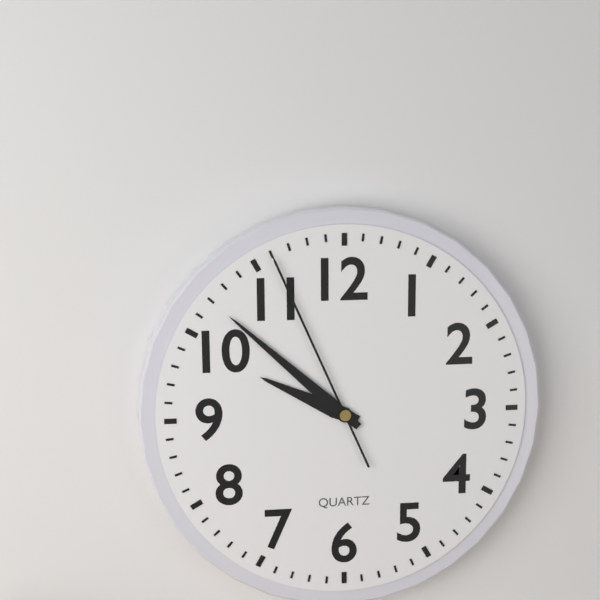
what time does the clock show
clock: 9:52:56
